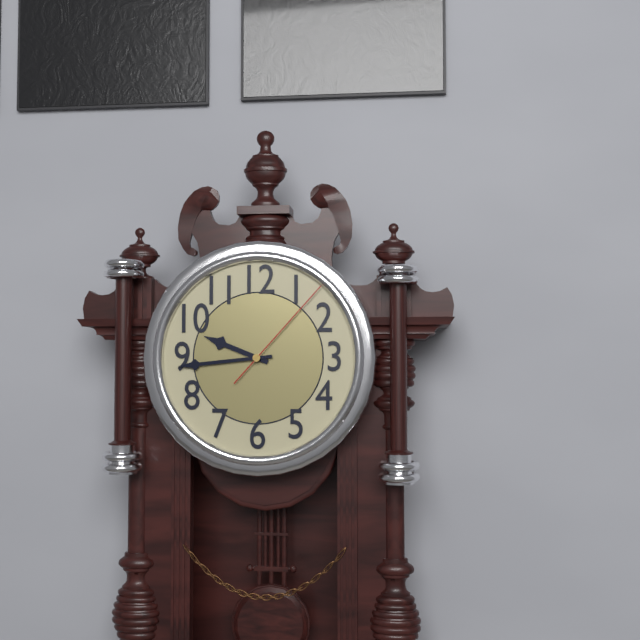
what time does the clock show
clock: 9:44:07
